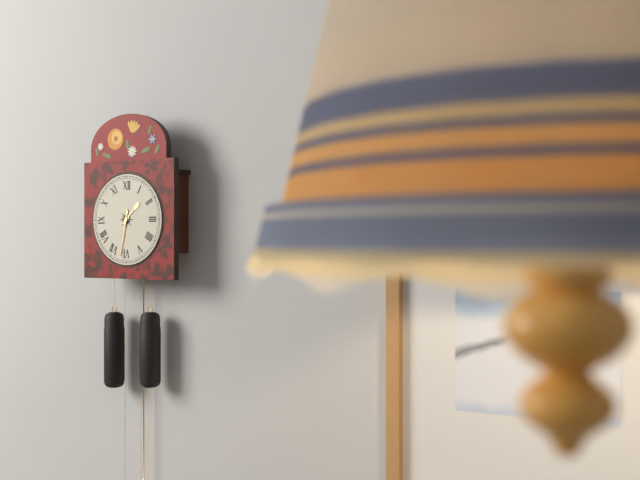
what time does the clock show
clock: 1:32
